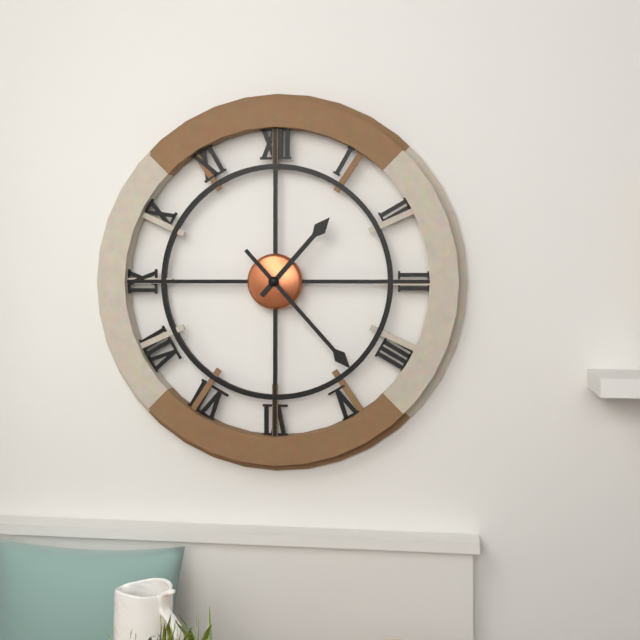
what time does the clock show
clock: 1:23
